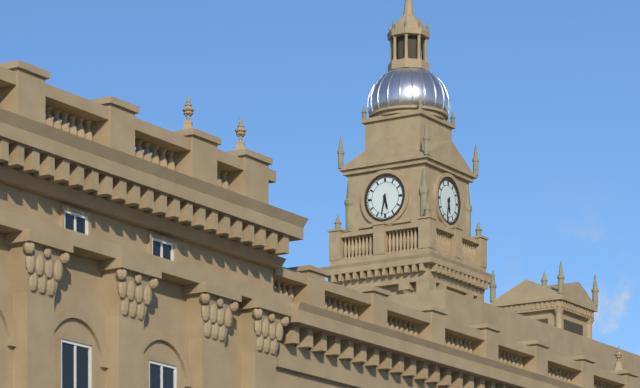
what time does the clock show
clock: 5:32
